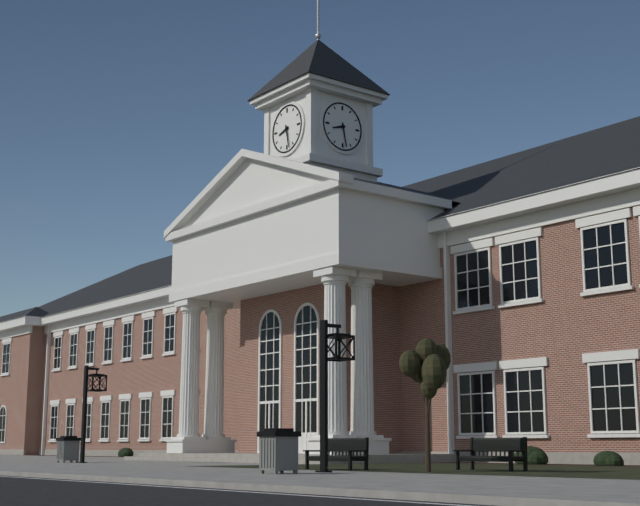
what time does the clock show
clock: 8:28
